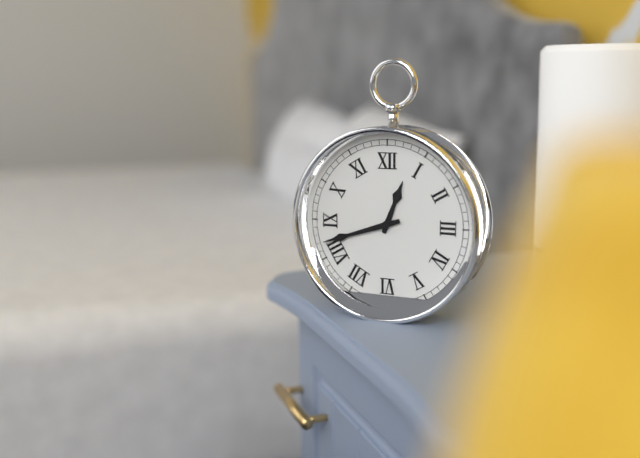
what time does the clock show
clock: 12:42
